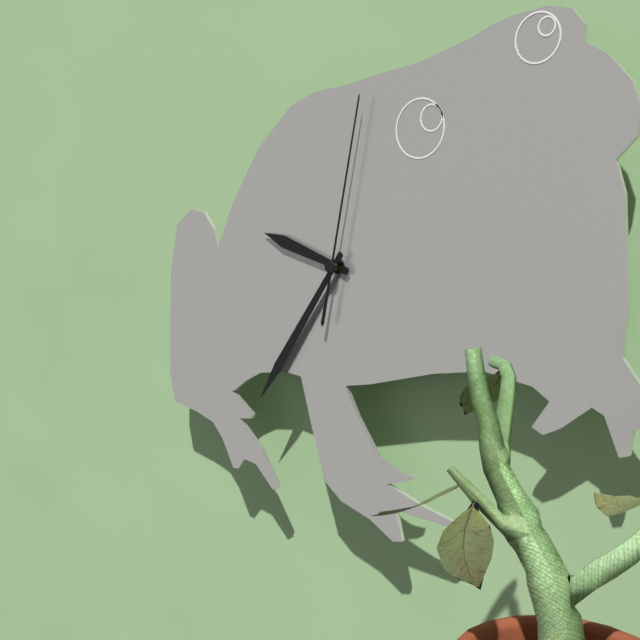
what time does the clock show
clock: 9:36:02
